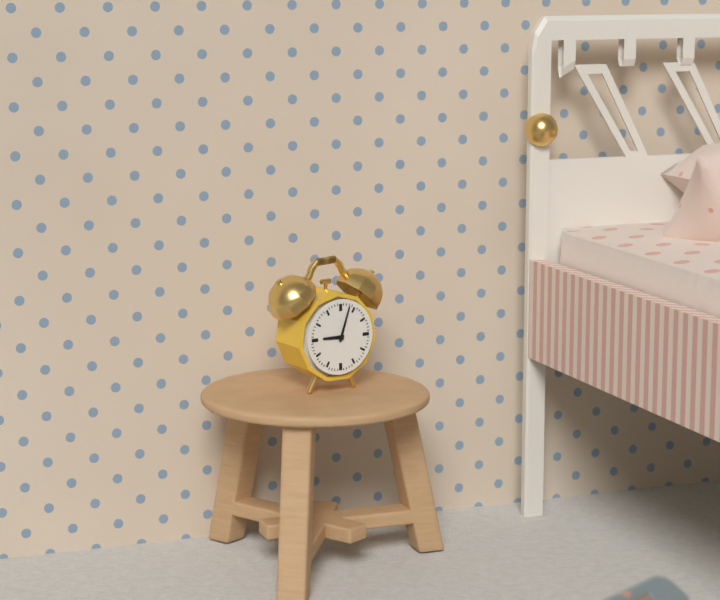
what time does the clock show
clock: 9:03
